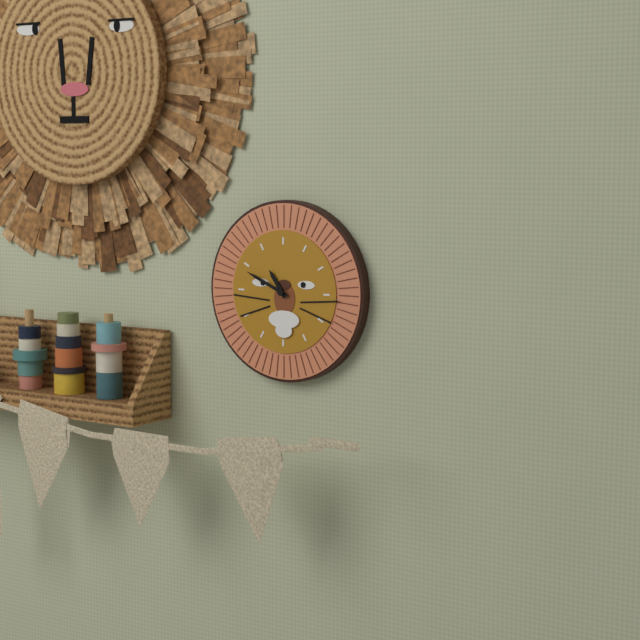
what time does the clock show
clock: 10:49
